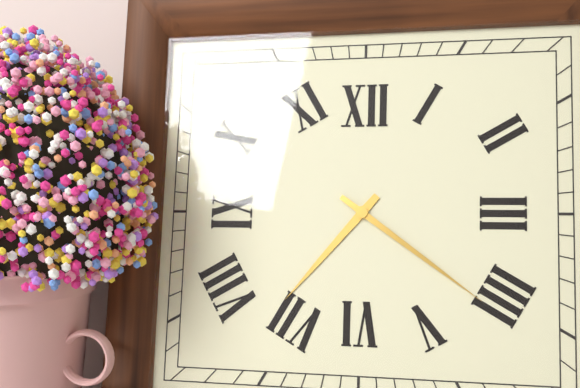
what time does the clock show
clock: 7:21
